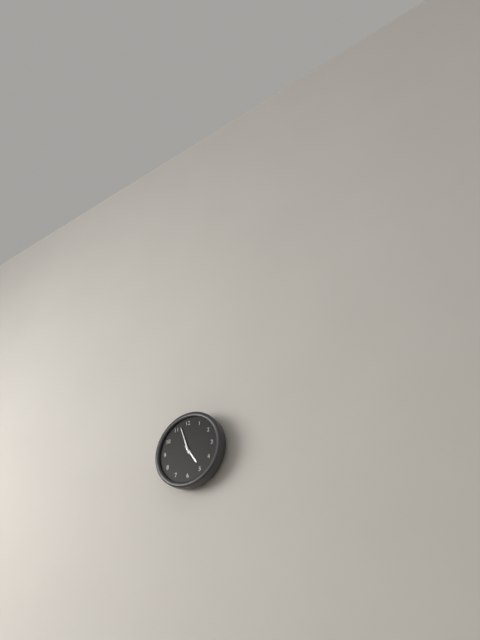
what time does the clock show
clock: 4:57
